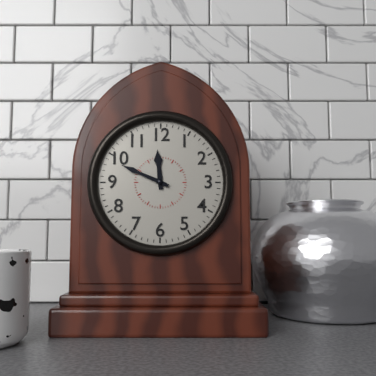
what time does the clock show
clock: 11:49
